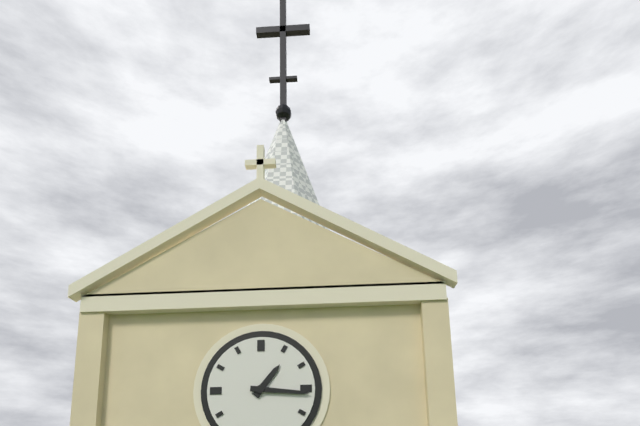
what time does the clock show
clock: 1:16
